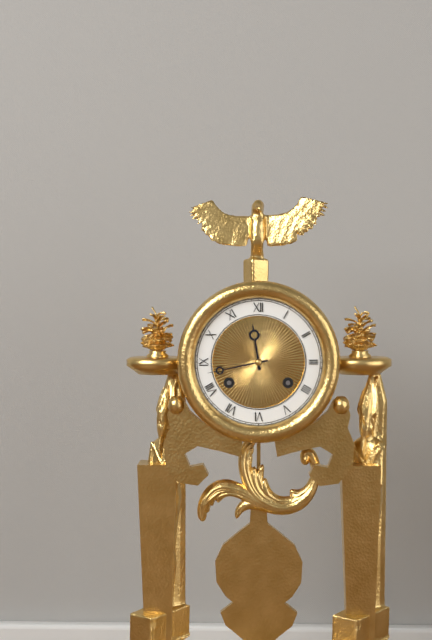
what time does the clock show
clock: 11:43
